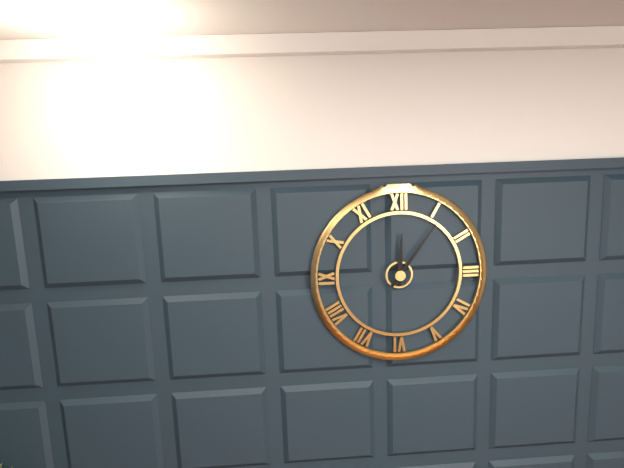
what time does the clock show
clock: 12:06
